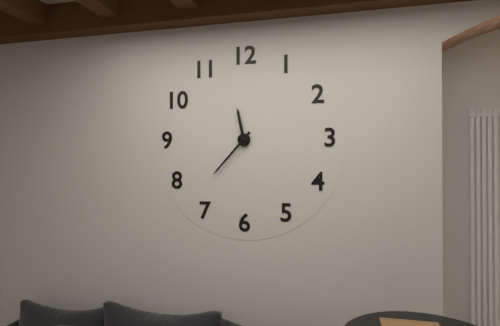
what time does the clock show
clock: 11:37
